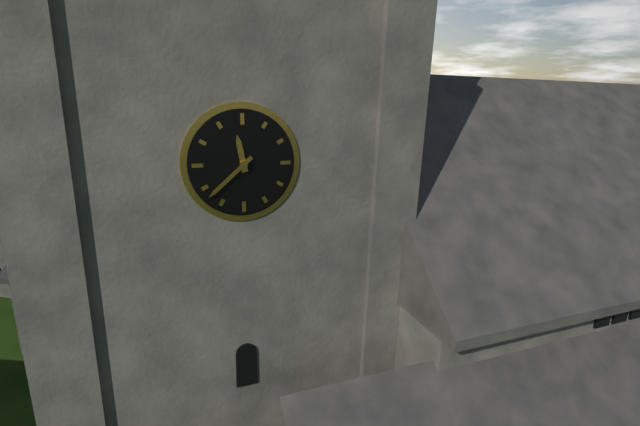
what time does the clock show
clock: 11:38
